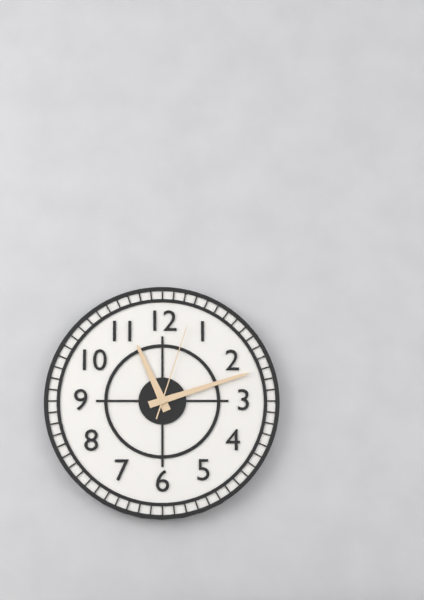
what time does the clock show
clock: 11:12:03
